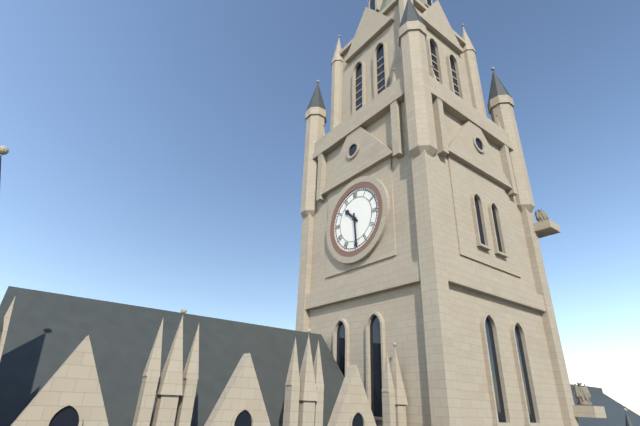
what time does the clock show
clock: 10:29
